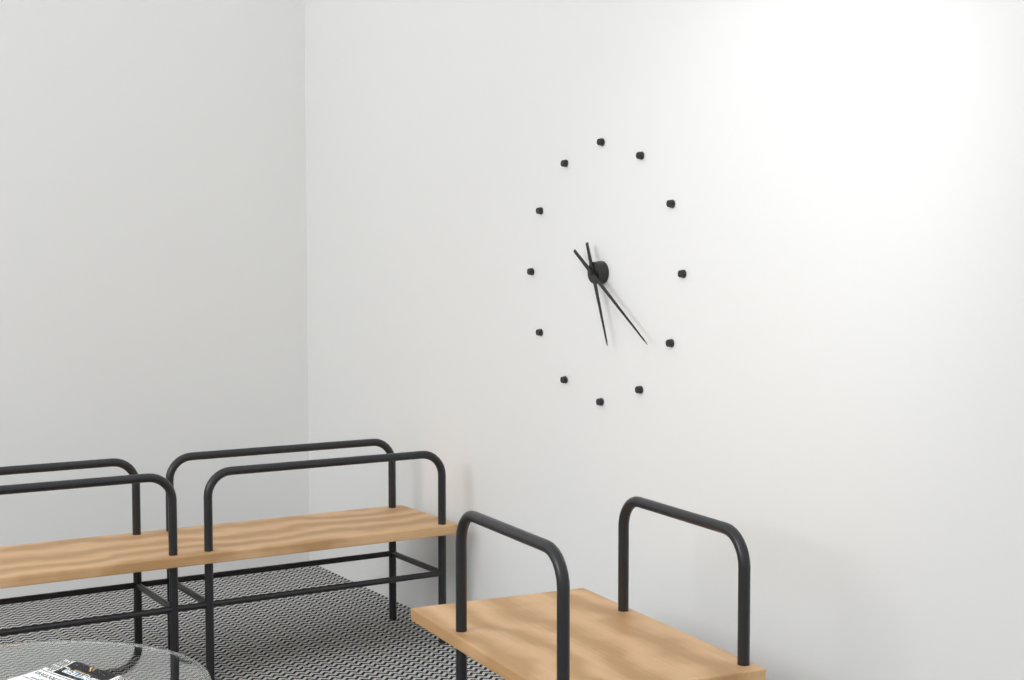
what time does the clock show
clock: 5:21
